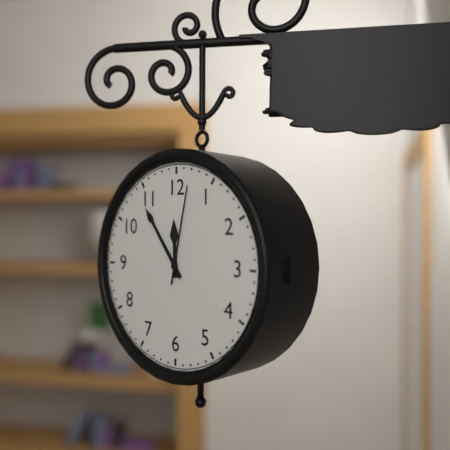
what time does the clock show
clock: 11:54:02
